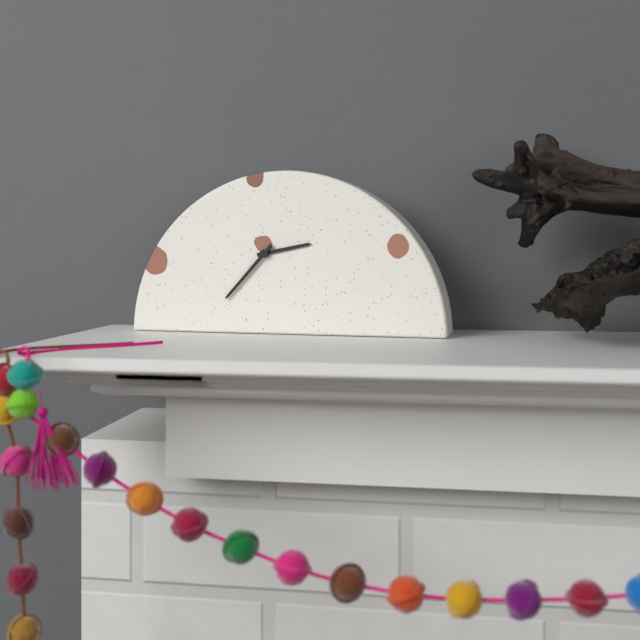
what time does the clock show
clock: 2:37
